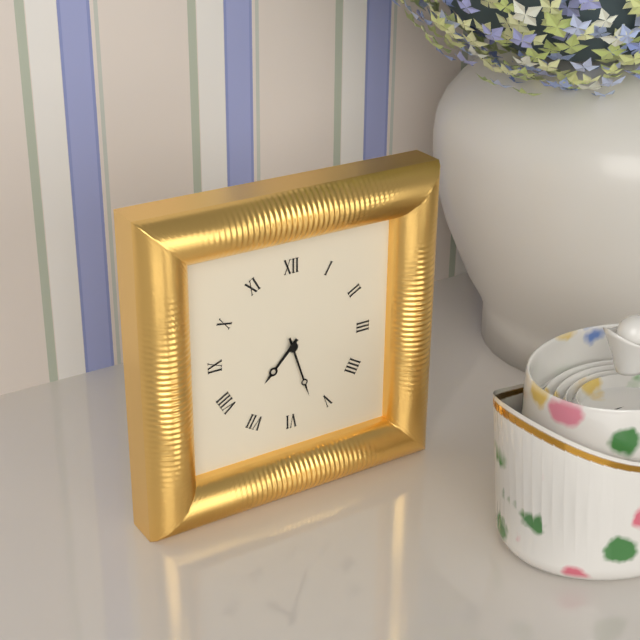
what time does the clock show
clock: 7:27
